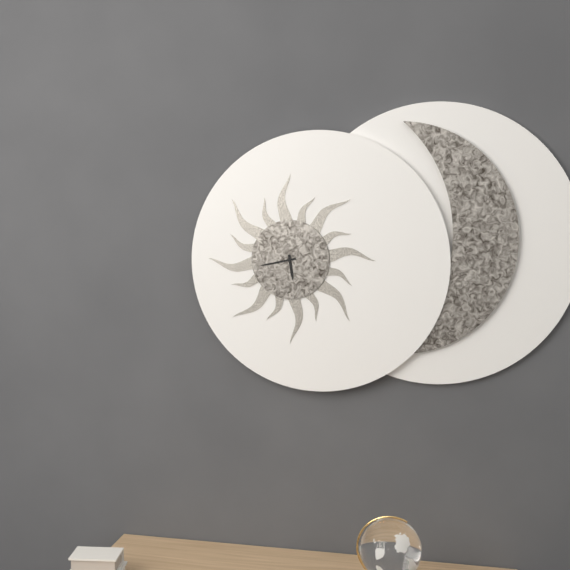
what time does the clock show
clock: 5:43
